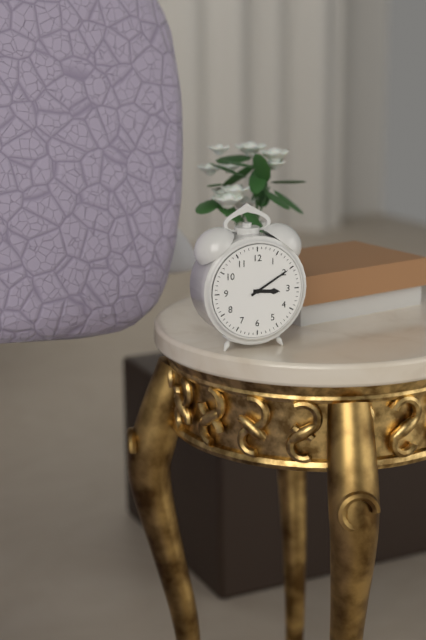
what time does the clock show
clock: 3:10
